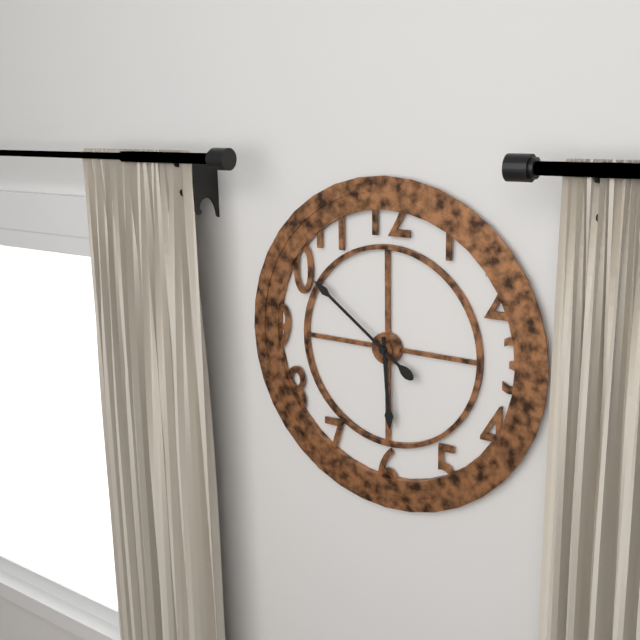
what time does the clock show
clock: 5:51
